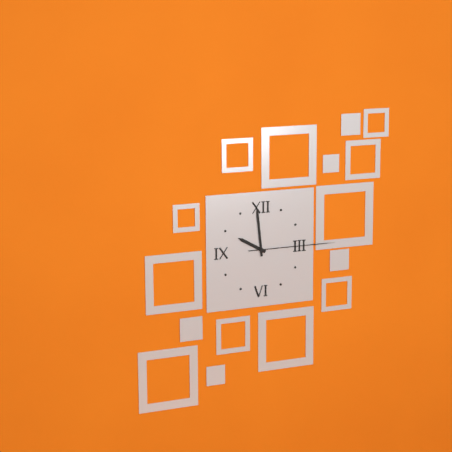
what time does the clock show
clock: 9:59:15
